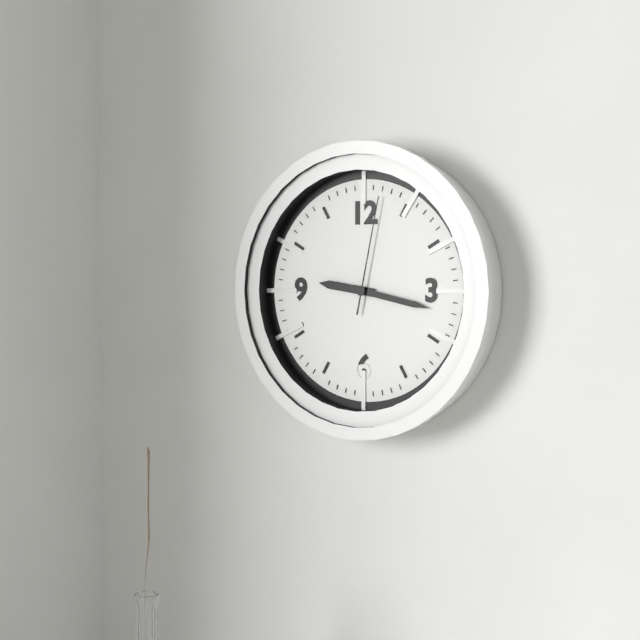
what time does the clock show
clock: 9:17:02
